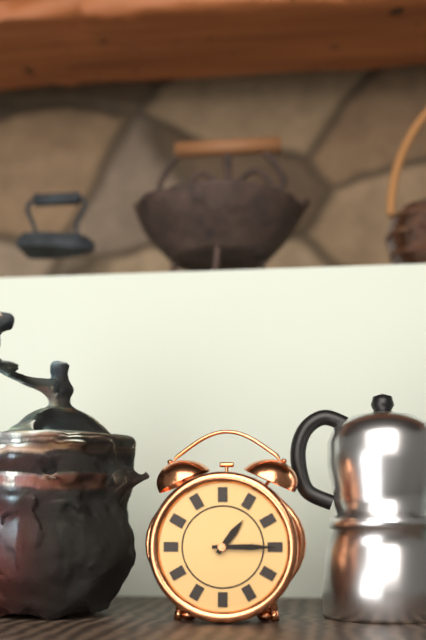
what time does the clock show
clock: 1:15
